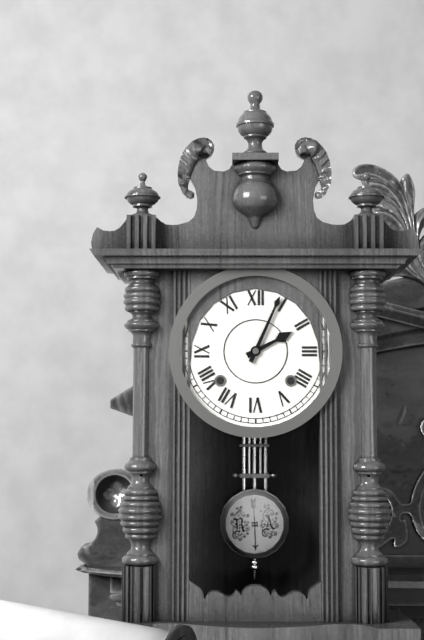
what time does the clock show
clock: 2:04
